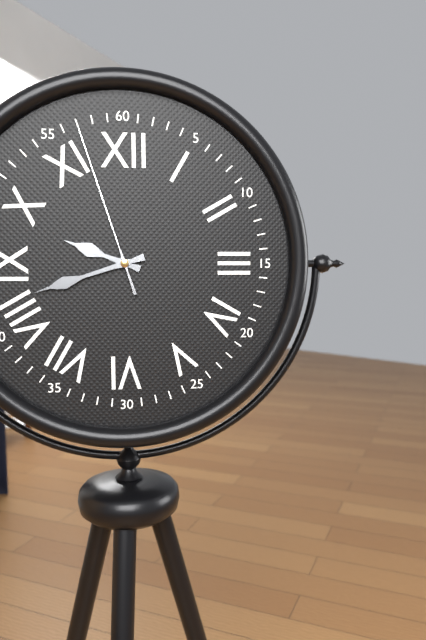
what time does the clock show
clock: 9:42:57
